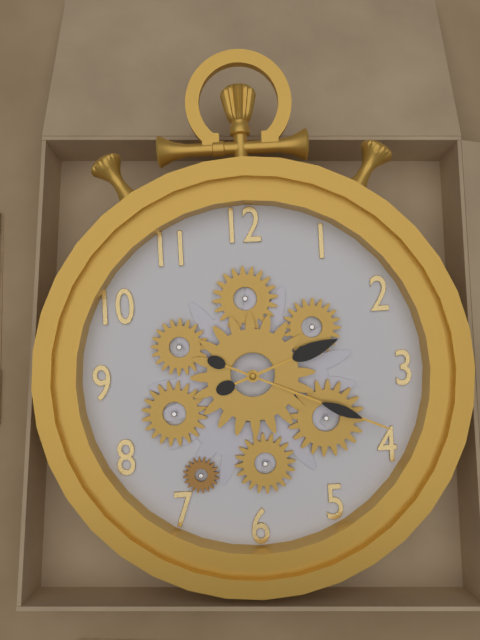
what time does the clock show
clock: 2:19
